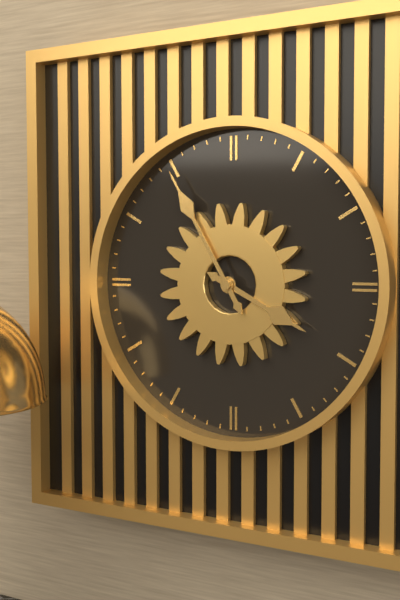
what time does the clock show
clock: 3:55
